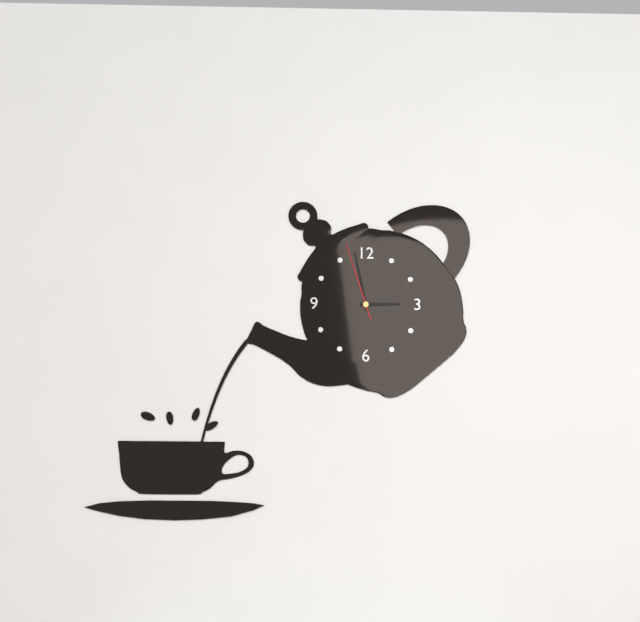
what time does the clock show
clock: 2:58:57
